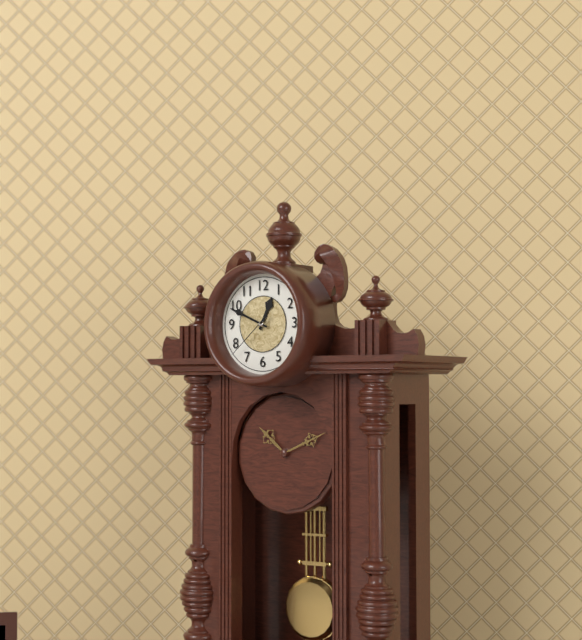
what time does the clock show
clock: 12:49:38
